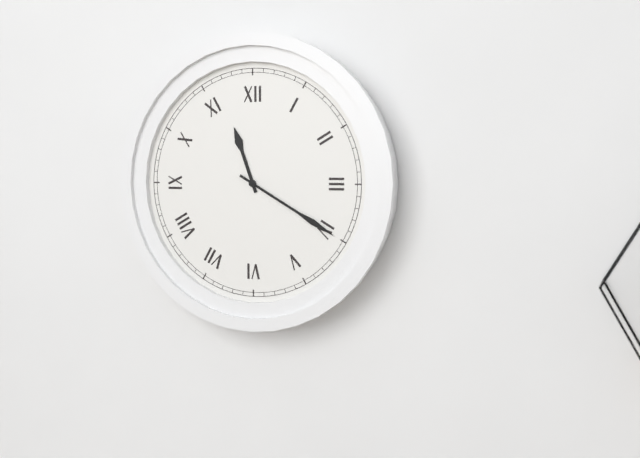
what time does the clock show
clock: 11:20
